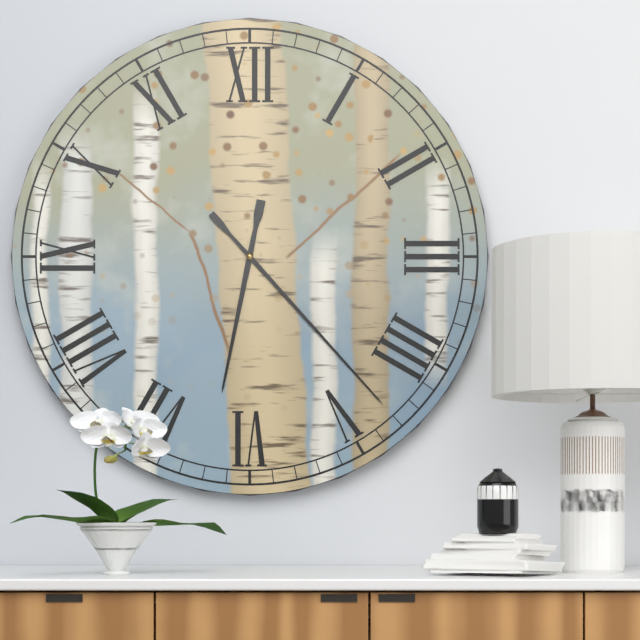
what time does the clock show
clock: 6:23
